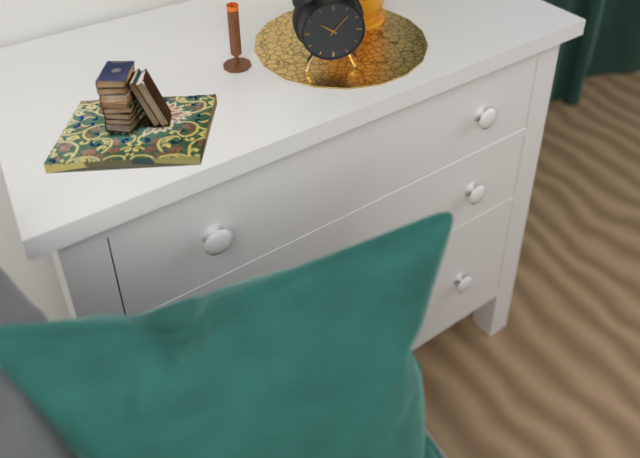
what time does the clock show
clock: 10:07
